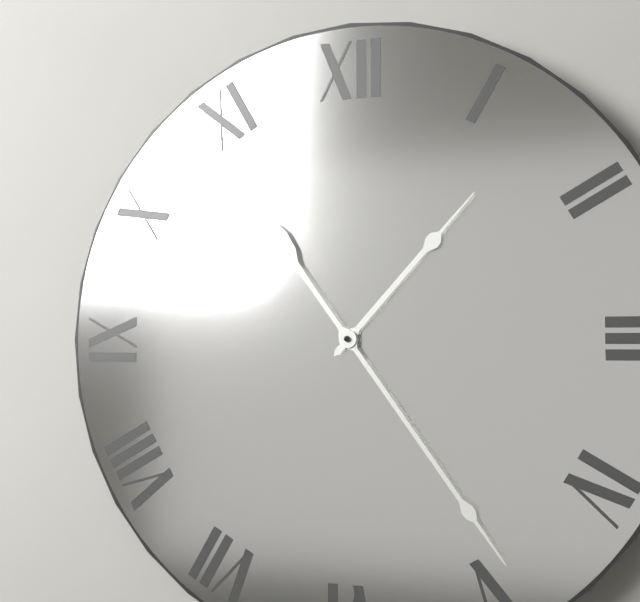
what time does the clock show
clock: 1:24
